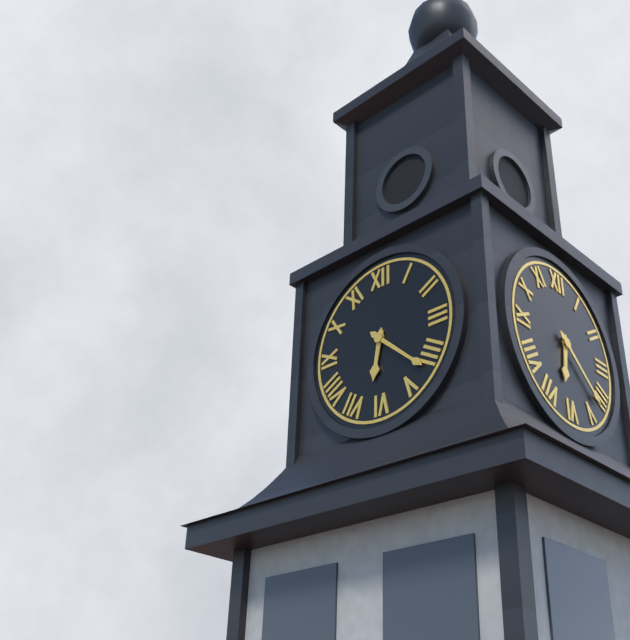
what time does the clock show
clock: 6:22
